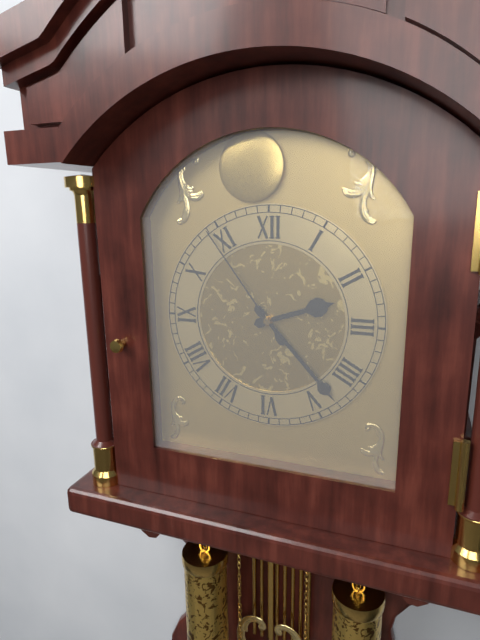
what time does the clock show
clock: 2:23:54
